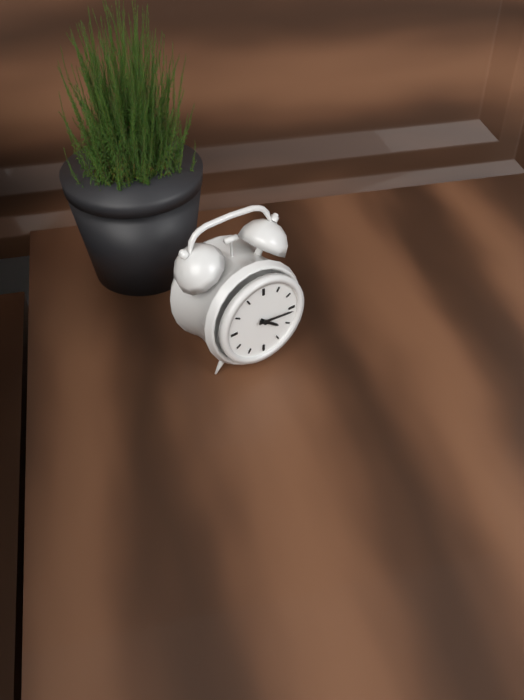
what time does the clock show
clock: 4:16
